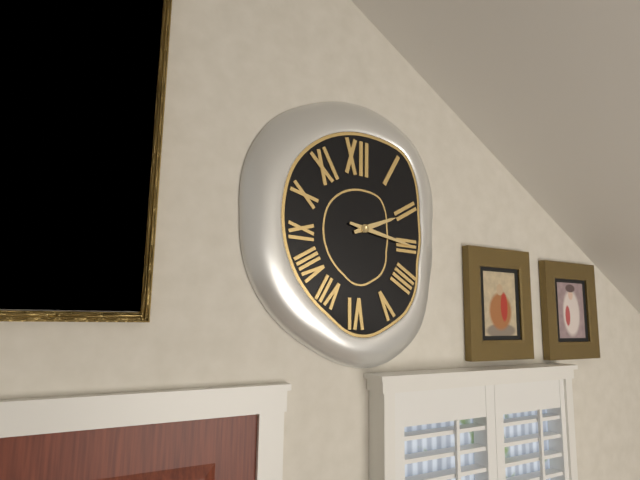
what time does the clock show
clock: 2:17
